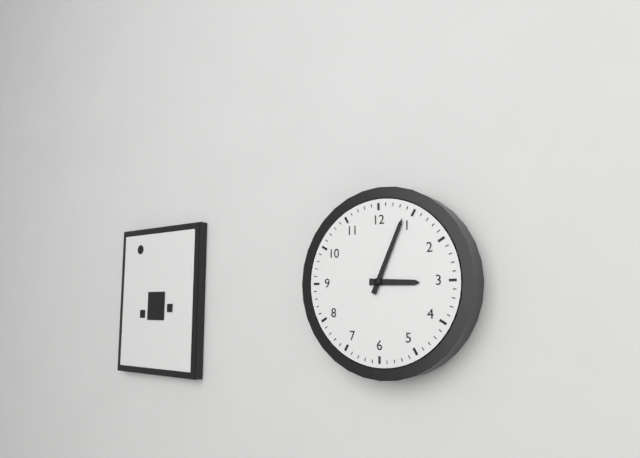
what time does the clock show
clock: 3:04
